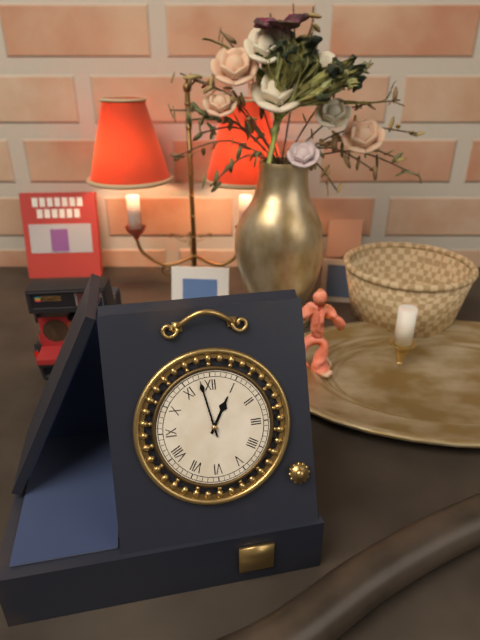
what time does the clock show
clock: 12:58
